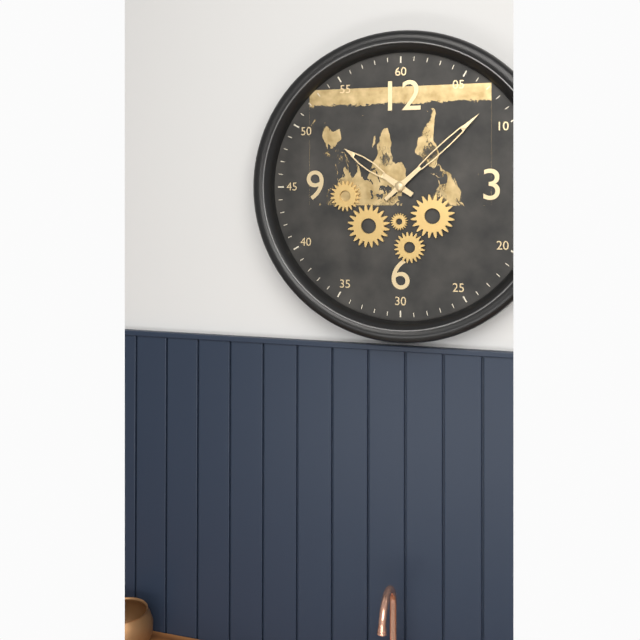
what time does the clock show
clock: 10:08
